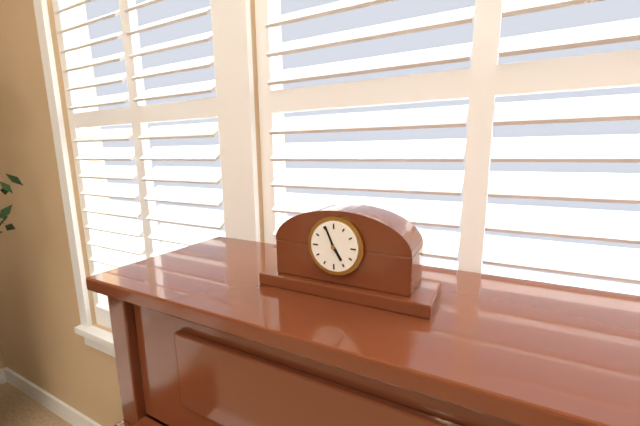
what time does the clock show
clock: 4:56
